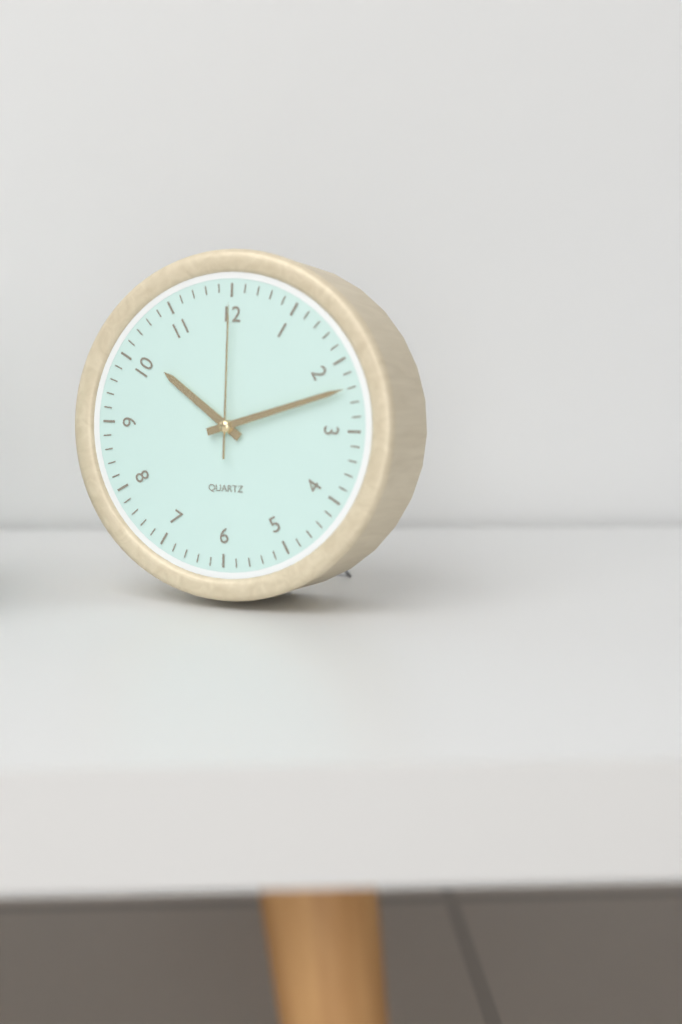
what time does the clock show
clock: 10:12:00
